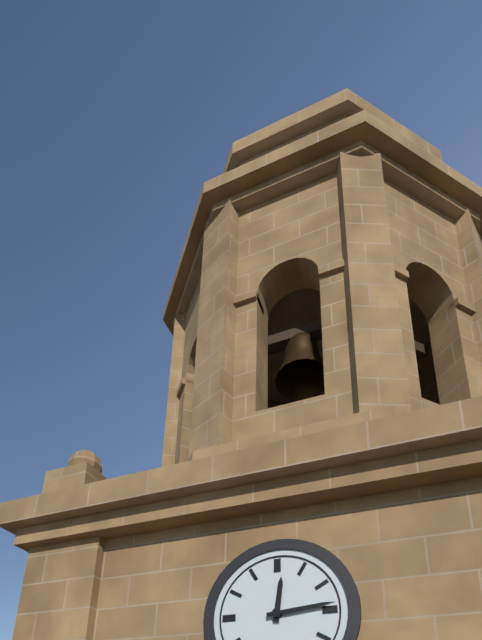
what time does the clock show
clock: 12:14
